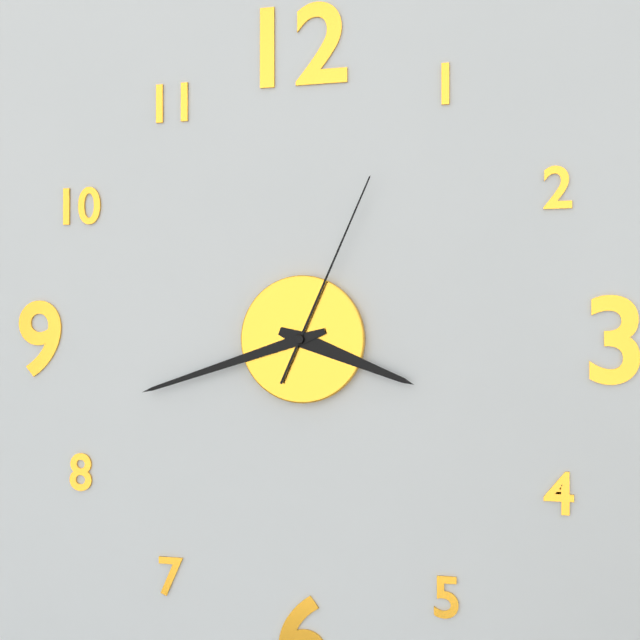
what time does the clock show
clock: 3:42:04
